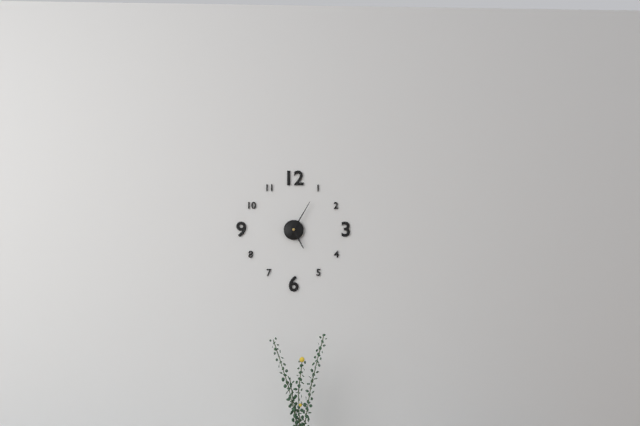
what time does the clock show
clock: 5:05
